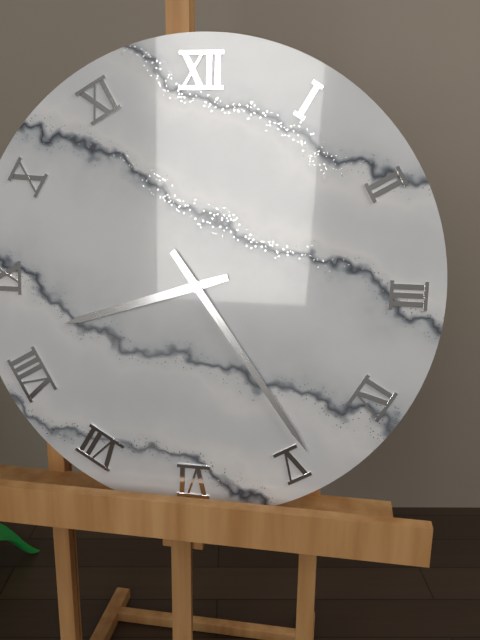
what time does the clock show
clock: 8:24
